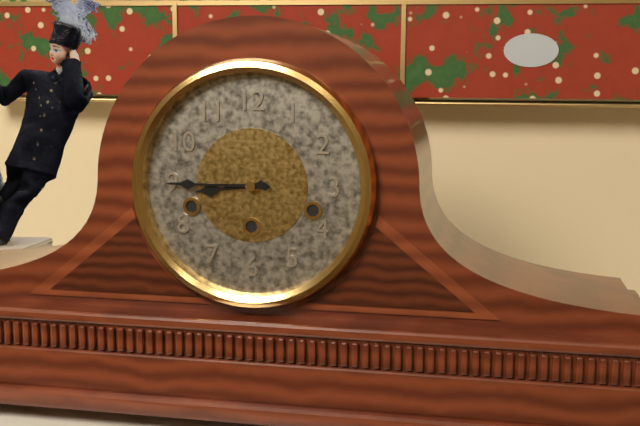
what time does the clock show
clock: 8:45
